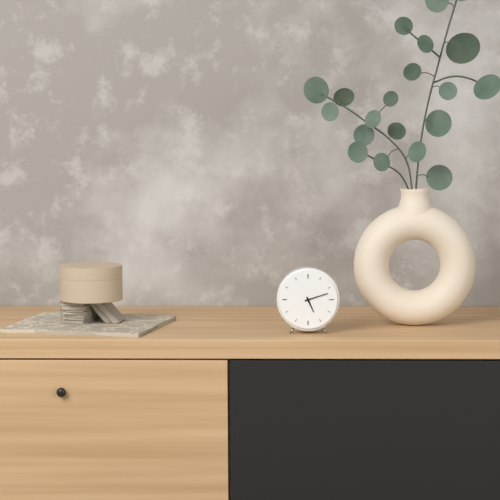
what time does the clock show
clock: 5:12
